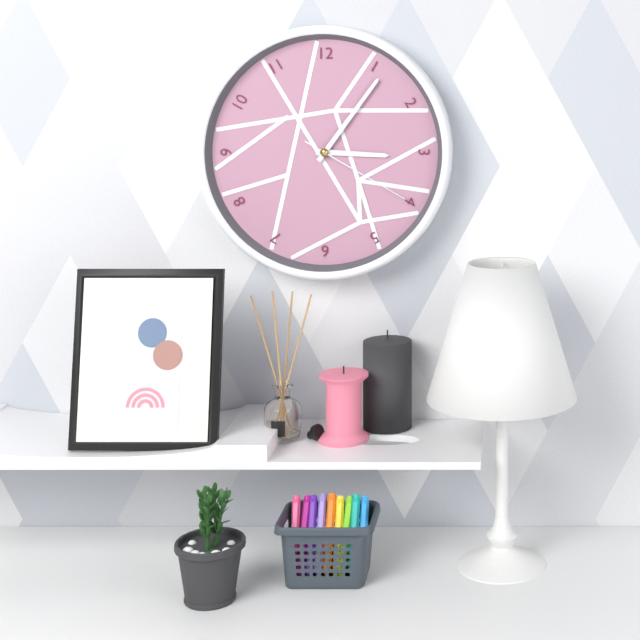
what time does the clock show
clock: 3:06:20
